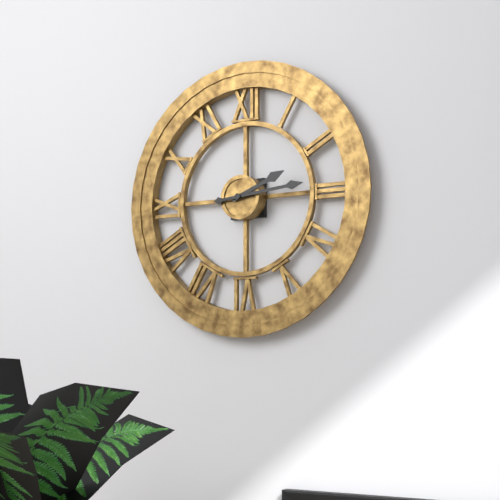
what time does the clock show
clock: 2:14
